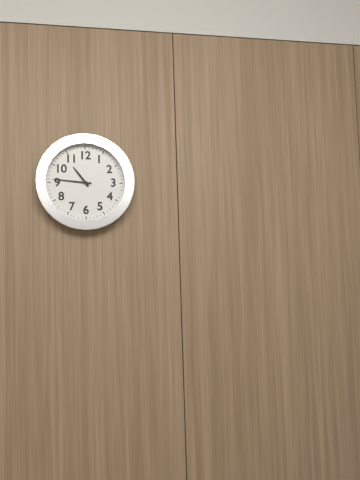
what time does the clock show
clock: 10:46
